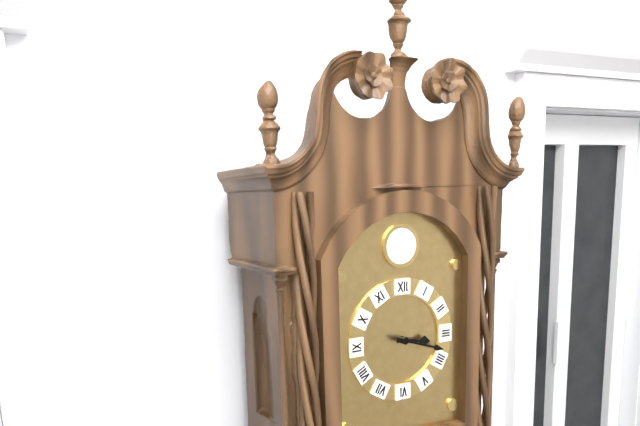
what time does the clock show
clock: 3:18
